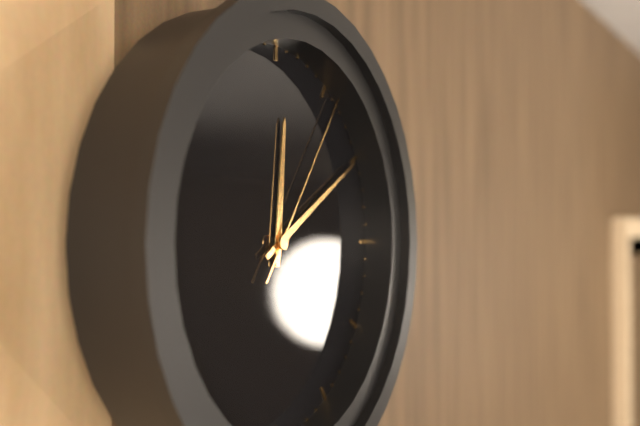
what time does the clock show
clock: 12:10:06
